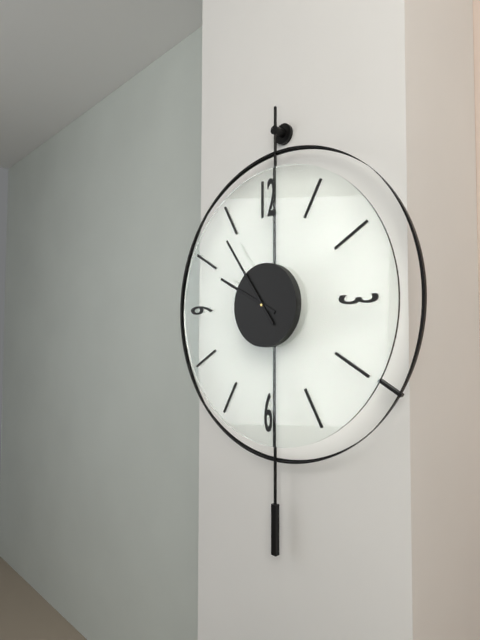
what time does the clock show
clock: 9:54
